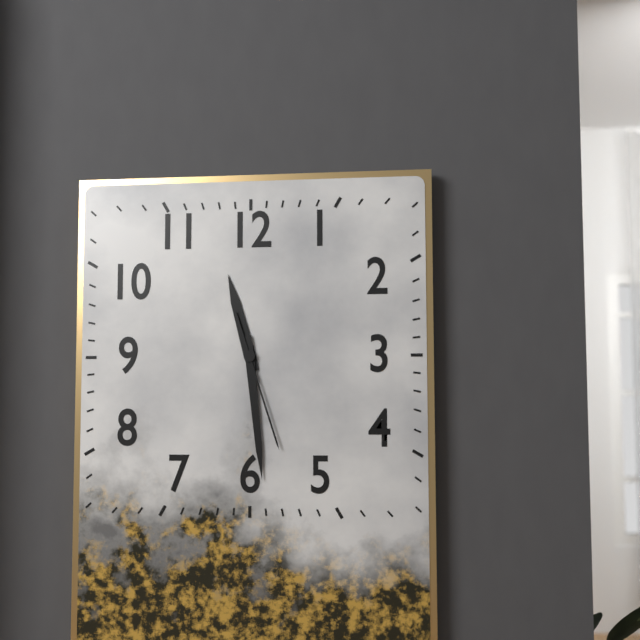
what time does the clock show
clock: 11:29:27
